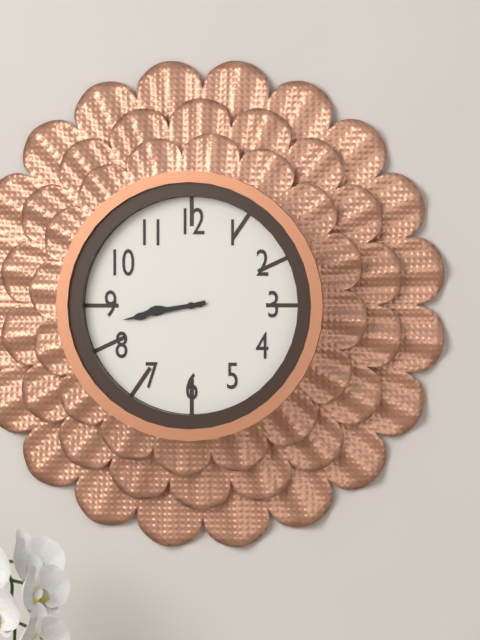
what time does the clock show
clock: 8:43
